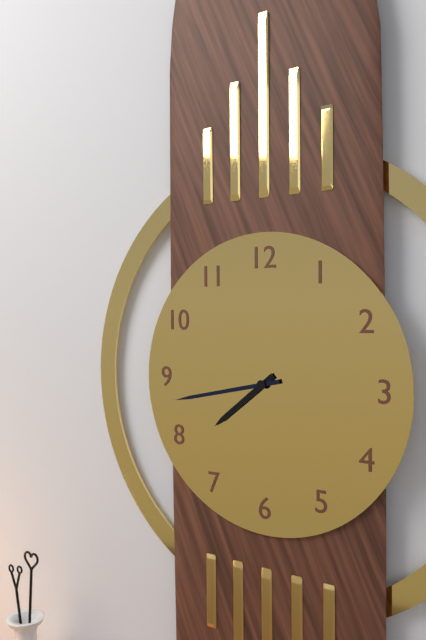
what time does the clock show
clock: 7:43
